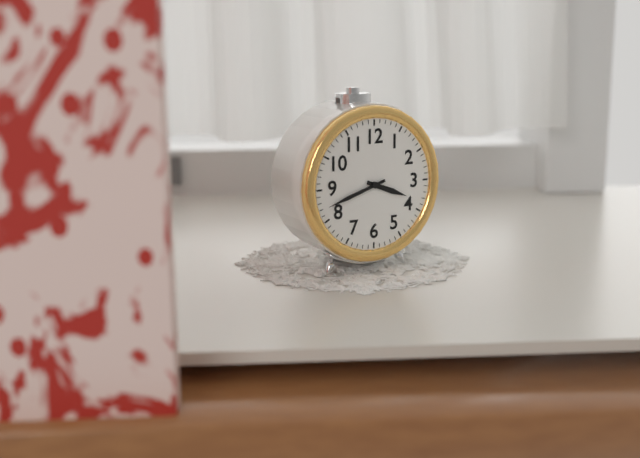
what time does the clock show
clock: 3:42
